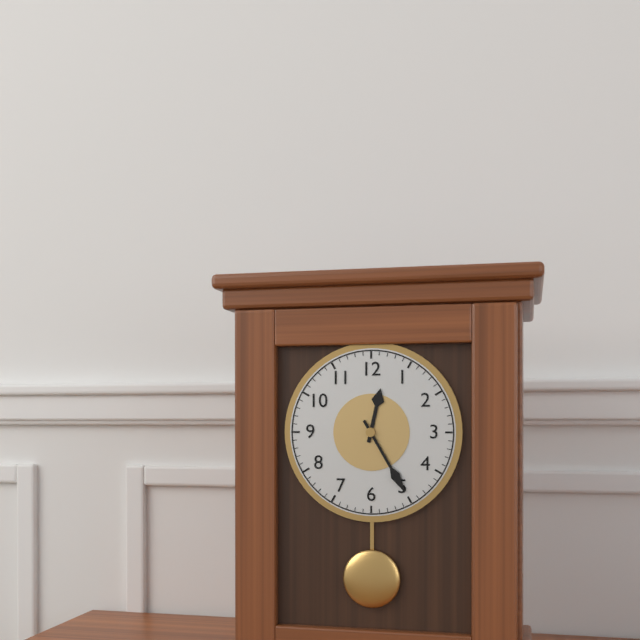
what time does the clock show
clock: 12:25
